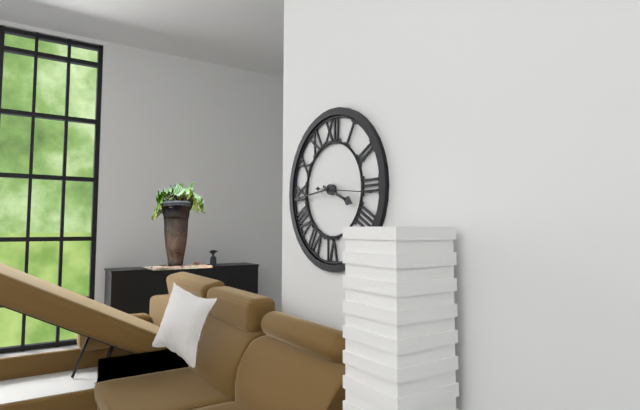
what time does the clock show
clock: 3:44
